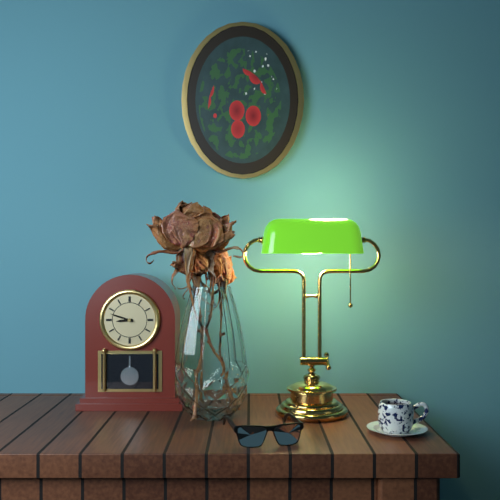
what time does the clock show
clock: 8:48
